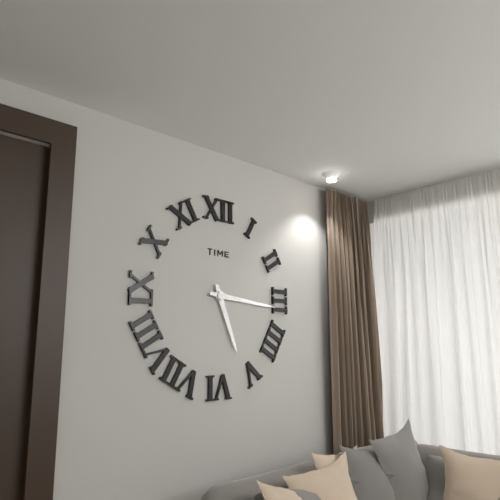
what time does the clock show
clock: 5:16
